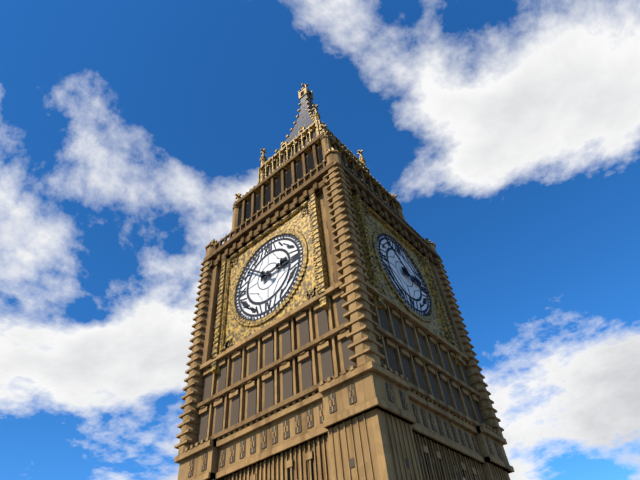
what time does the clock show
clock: 2:52
